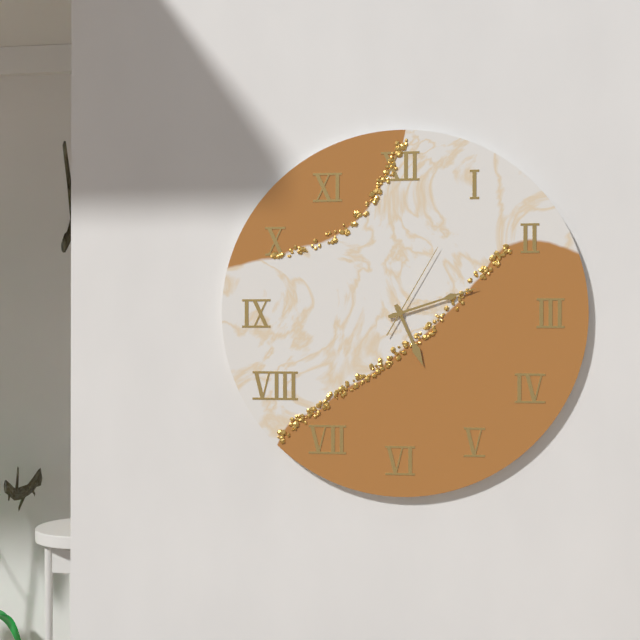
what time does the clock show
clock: 5:12:05
